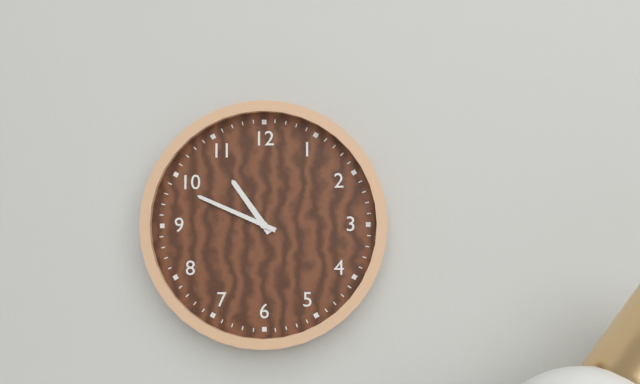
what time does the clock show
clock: 10:49
